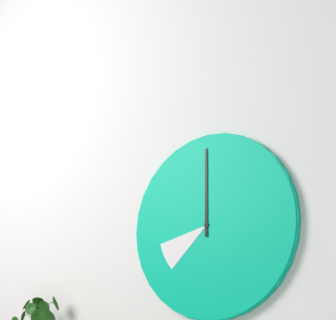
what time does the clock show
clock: 8:00
